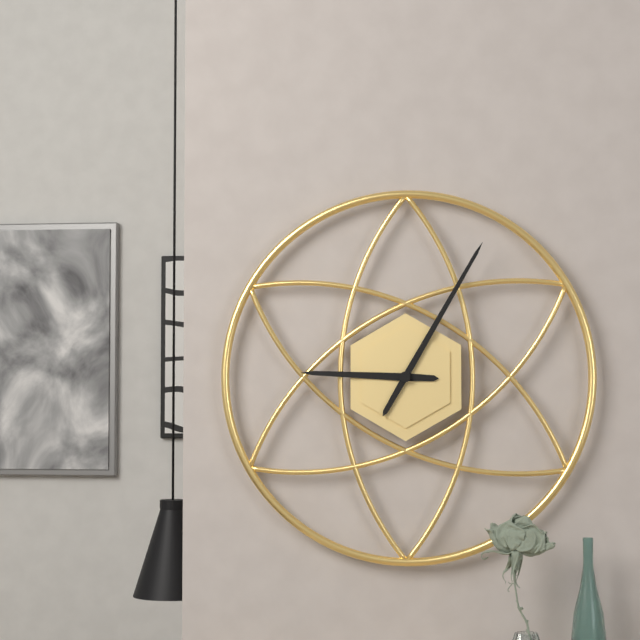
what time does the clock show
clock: 9:05
